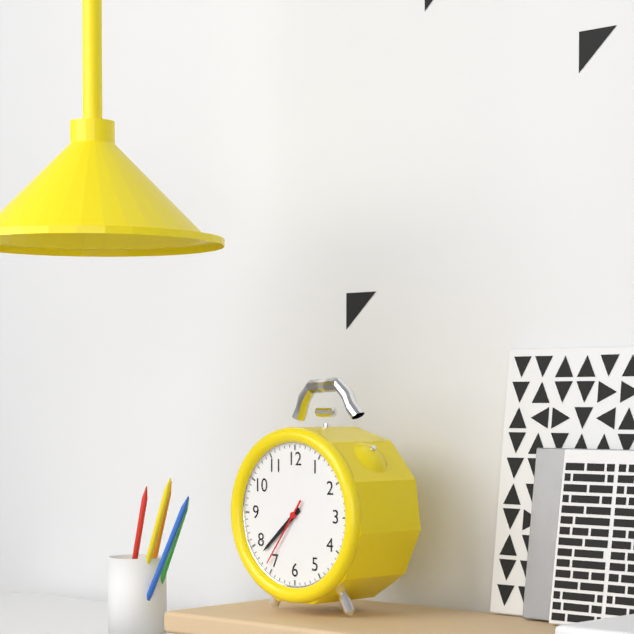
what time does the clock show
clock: 7:38:36
